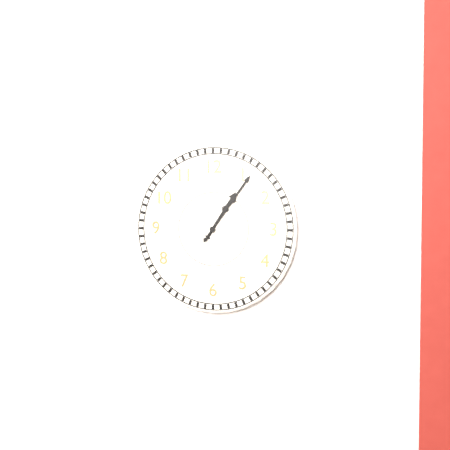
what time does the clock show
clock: 1:06
